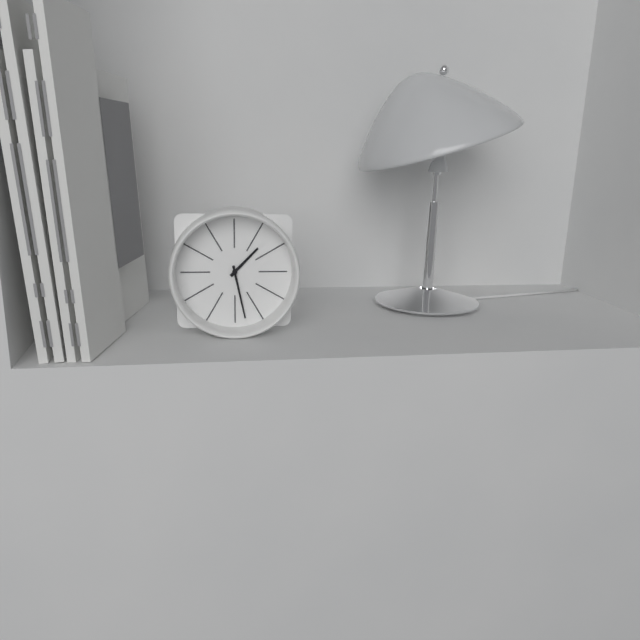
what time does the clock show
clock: 1:28
